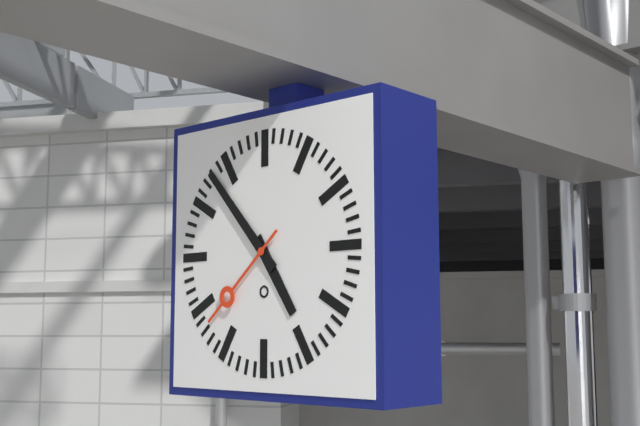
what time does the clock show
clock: 4:53:38
